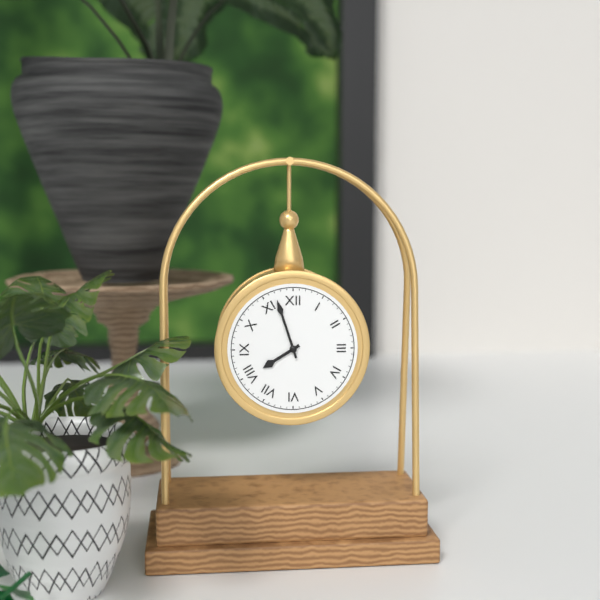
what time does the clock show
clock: 7:57
